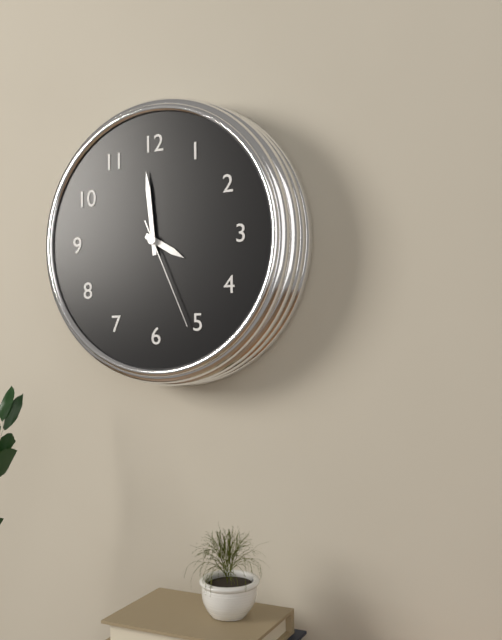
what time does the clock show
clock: 3:59:26
